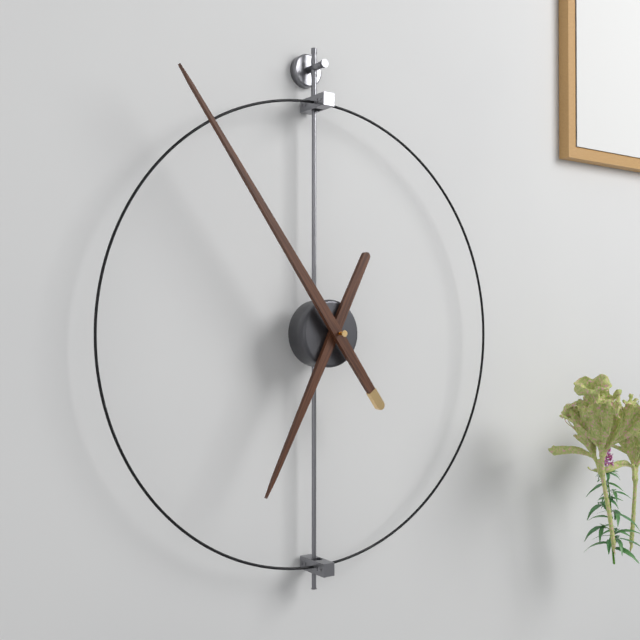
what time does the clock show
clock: 6:54
